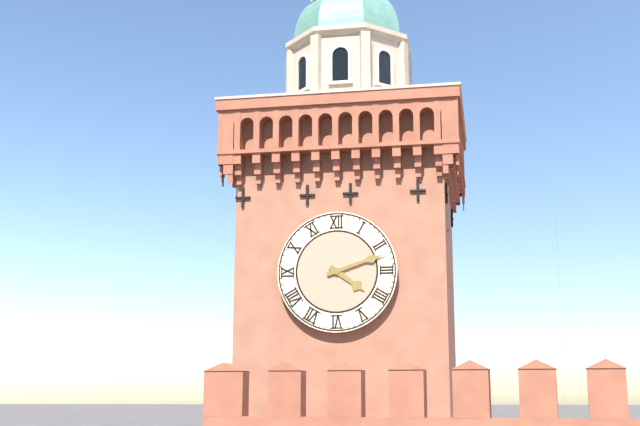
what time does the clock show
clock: 4:12
